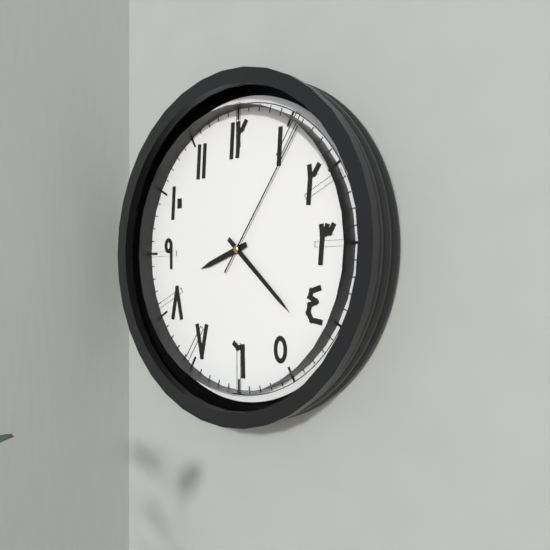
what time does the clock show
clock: 8:22:06
